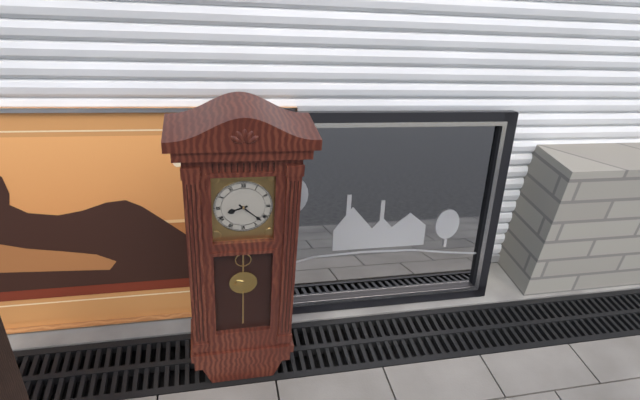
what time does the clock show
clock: 8:22
